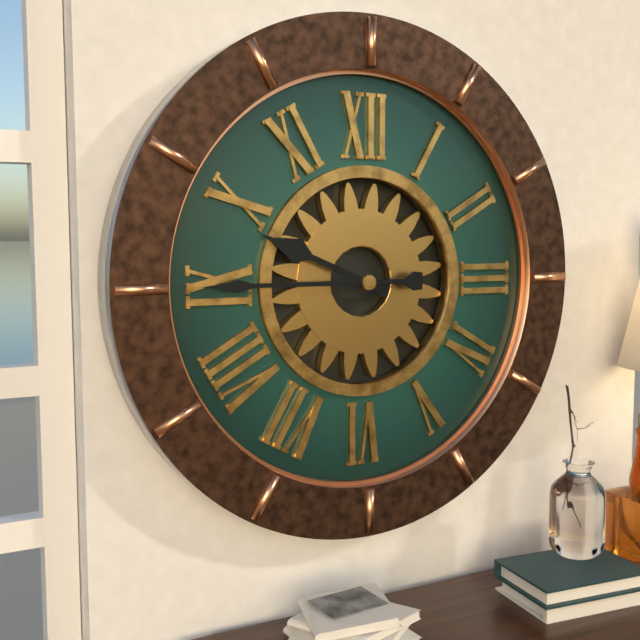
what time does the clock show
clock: 9:45
